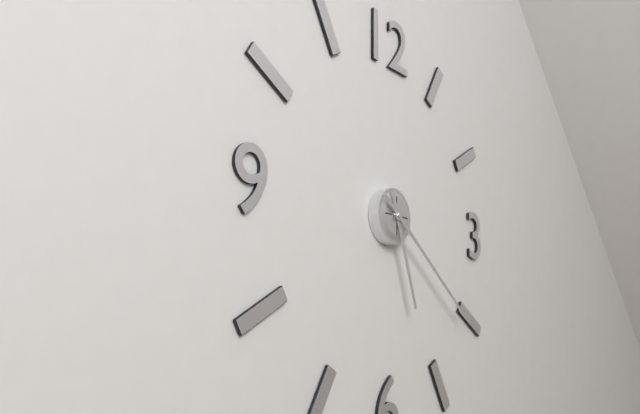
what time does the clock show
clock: 5:21
